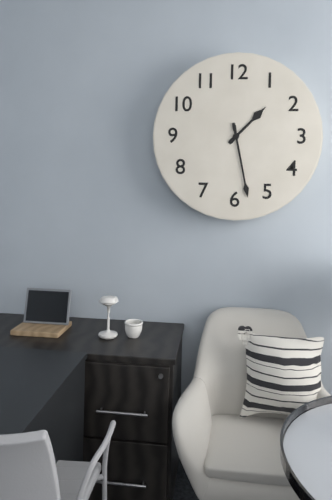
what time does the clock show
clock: 1:28
